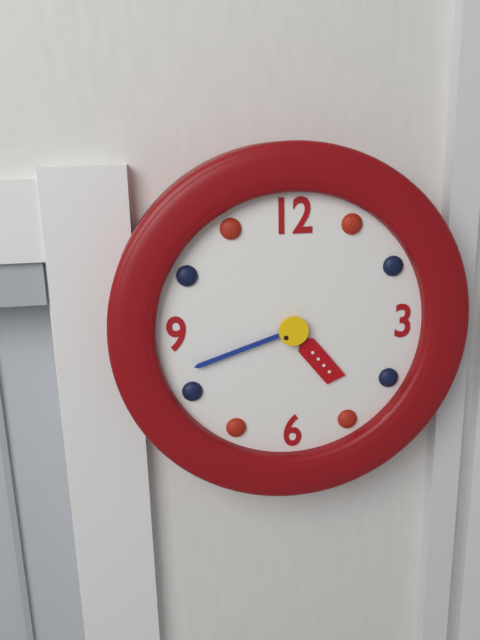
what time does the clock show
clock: 4:42
